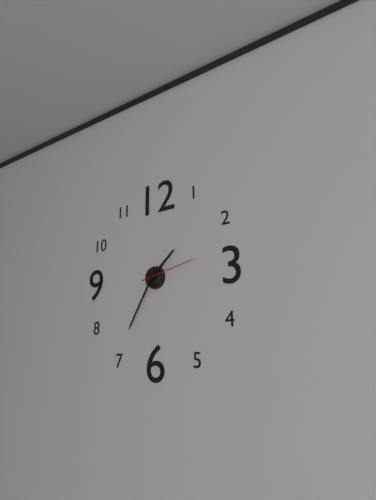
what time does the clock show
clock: 1:35:13
